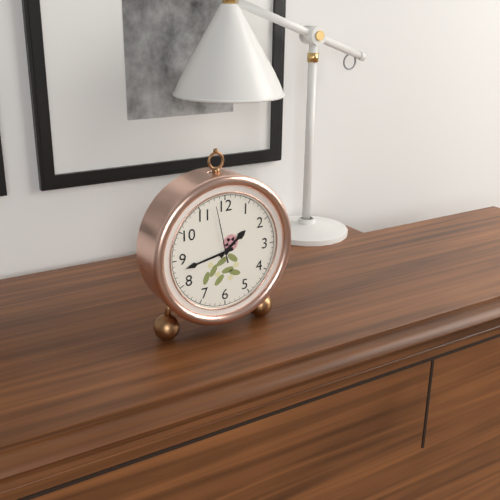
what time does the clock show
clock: 1:43:58
